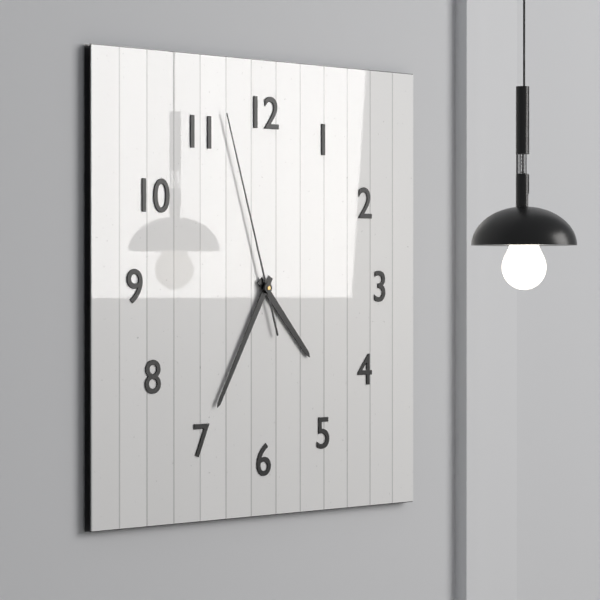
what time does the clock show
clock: 4:35:57
